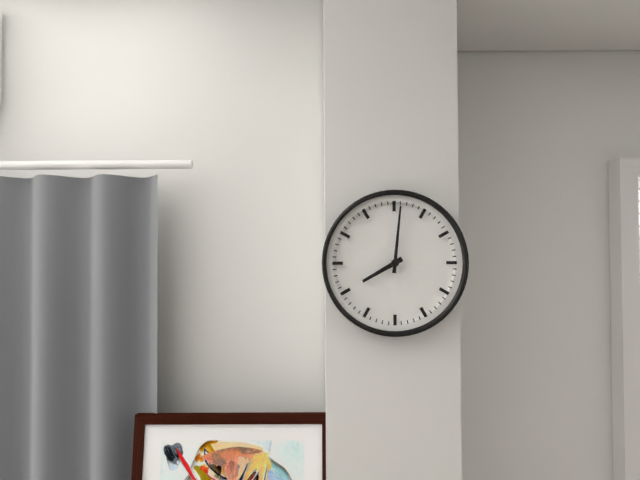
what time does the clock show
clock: 8:01
